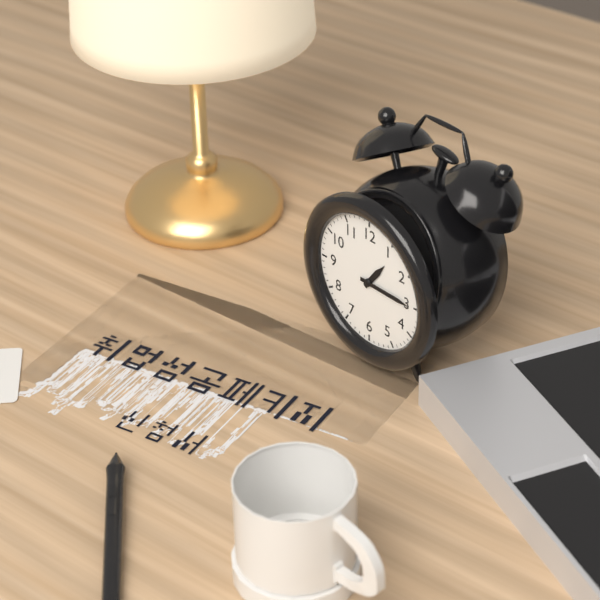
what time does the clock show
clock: 1:15
